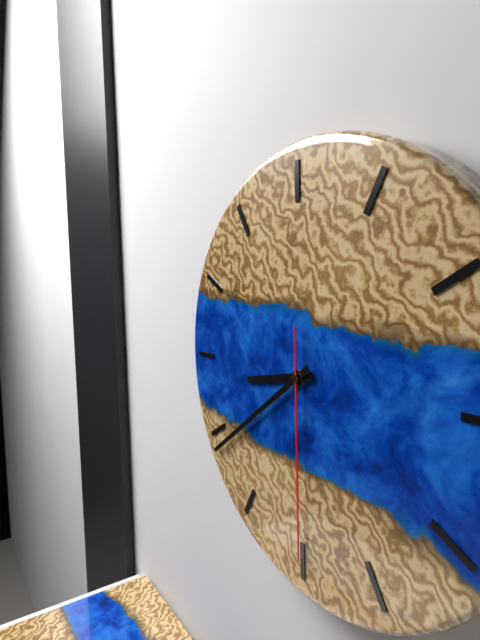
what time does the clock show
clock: 8:39:30
